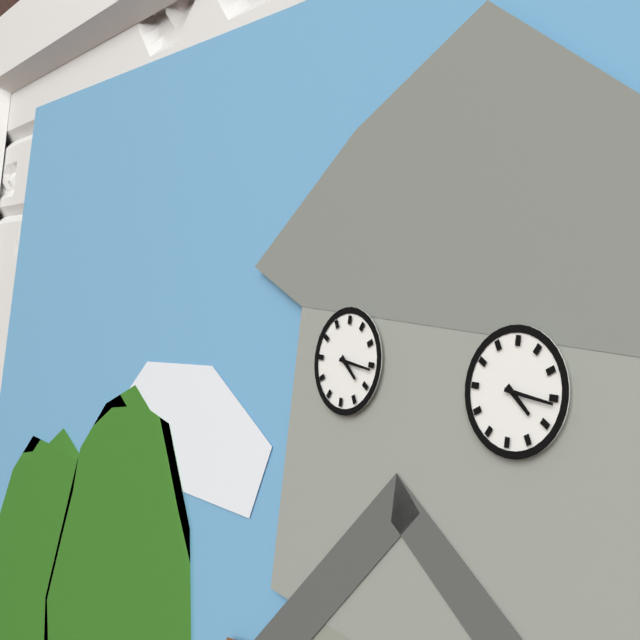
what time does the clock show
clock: 4:16
